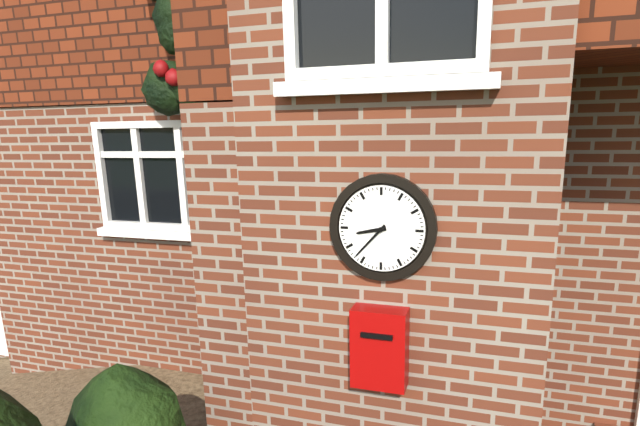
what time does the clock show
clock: 8:37
